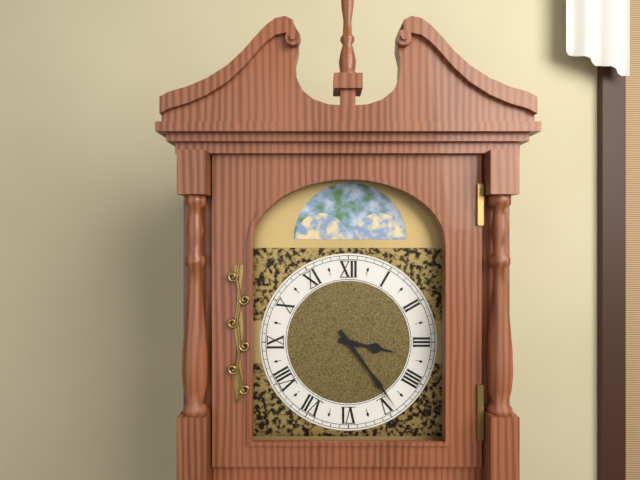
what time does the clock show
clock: 3:24
